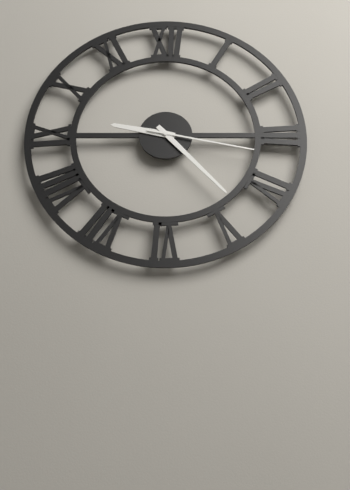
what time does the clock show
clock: 9:23:17
